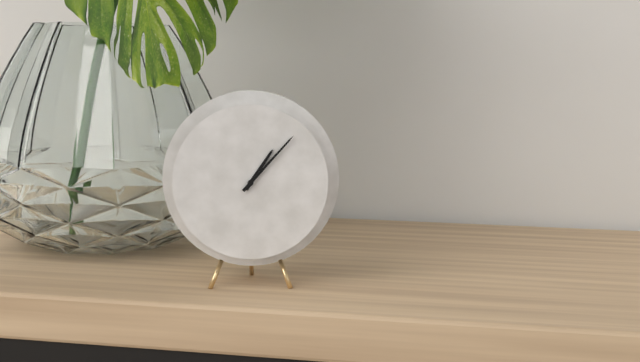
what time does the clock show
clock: 1:07
